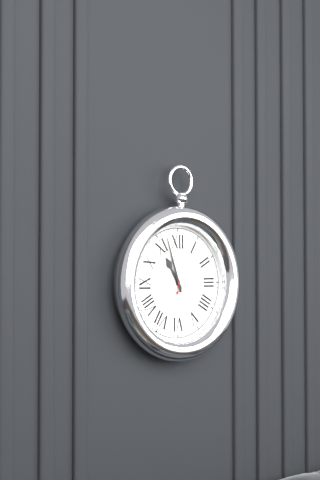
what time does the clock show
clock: 10:57:02
